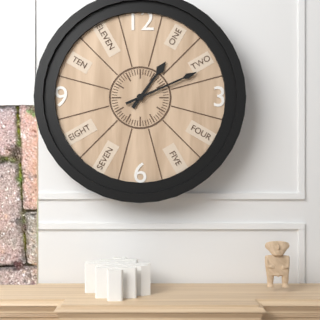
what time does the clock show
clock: 1:11
